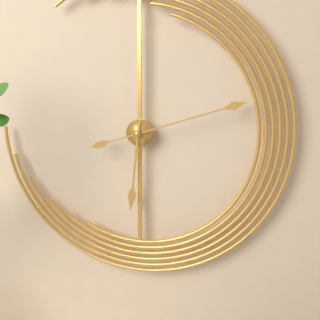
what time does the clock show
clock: 6:12
